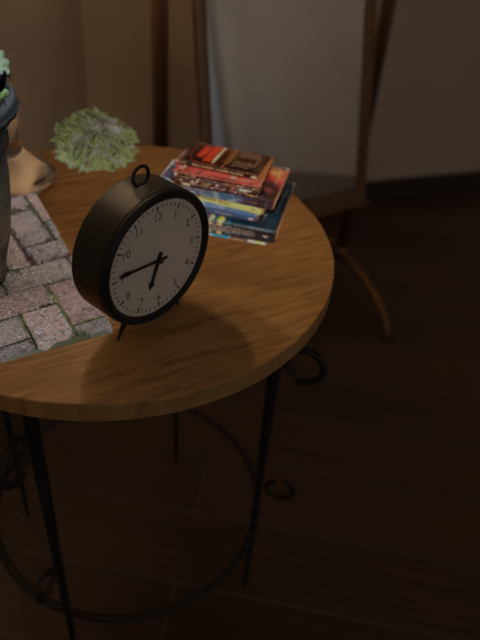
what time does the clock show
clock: 6:46
